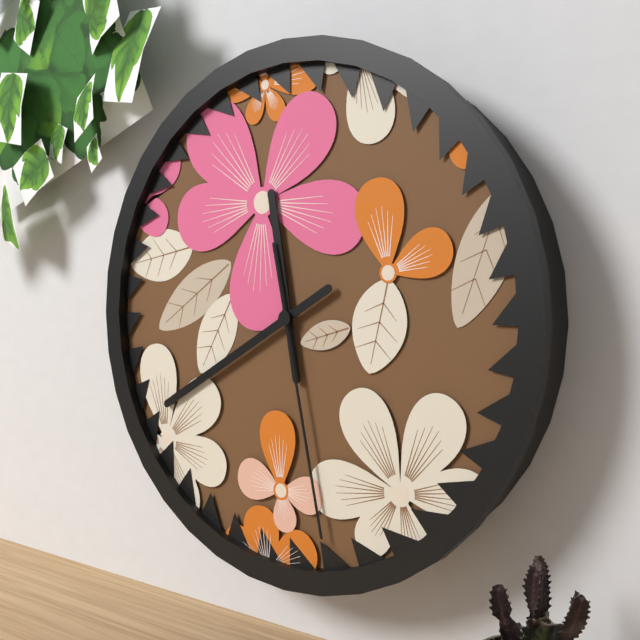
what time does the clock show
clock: 11:40:28
